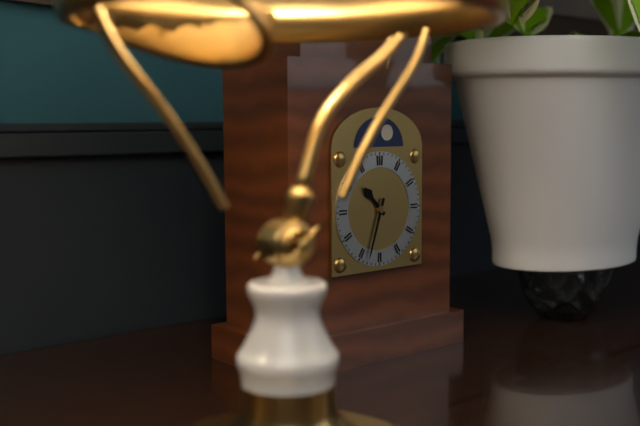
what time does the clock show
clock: 10:33
